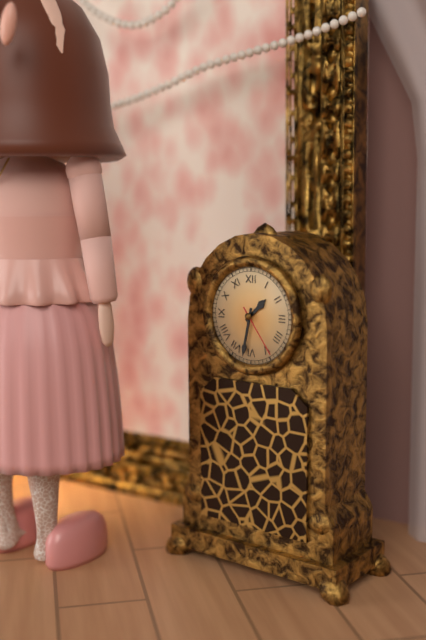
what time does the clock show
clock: 1:32:24
